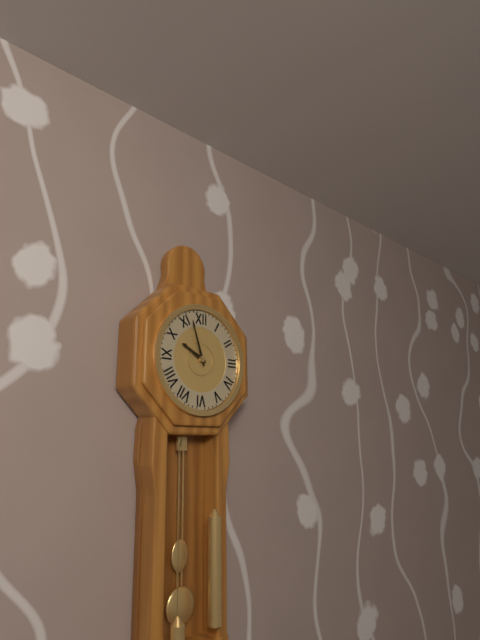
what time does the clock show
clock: 9:57
